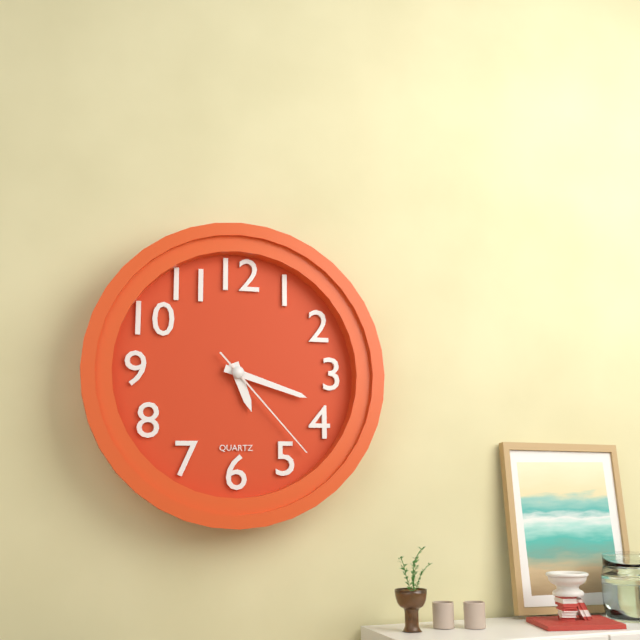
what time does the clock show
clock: 5:18:23
